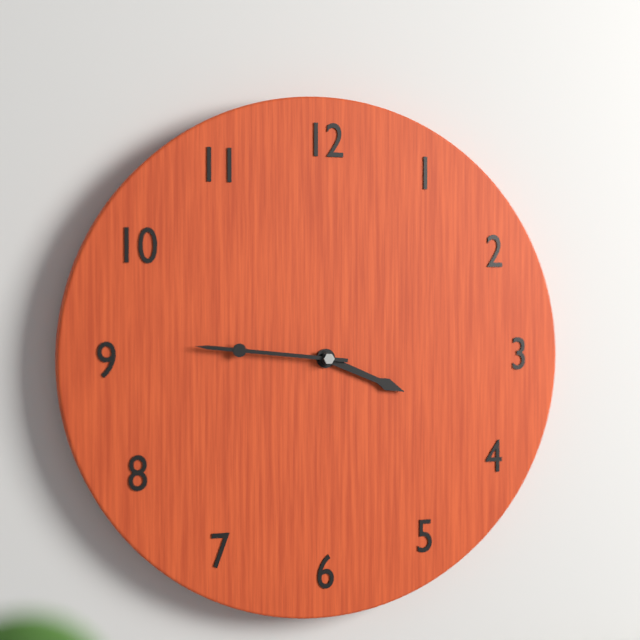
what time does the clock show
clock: 3:46
